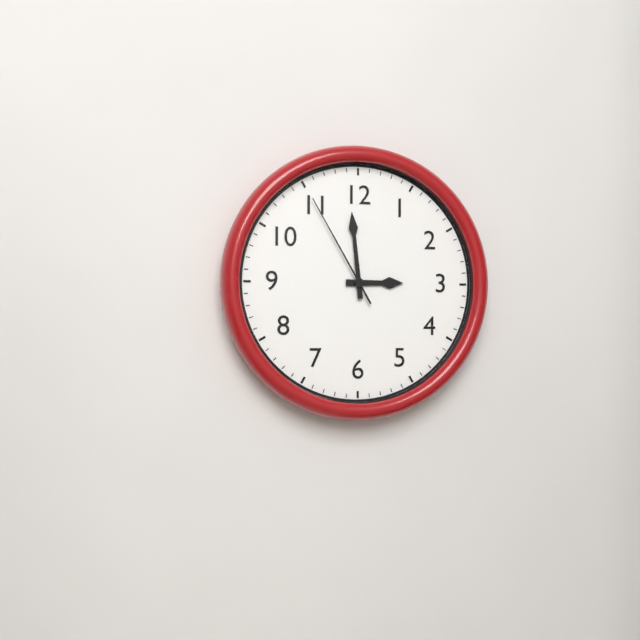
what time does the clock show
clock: 2:59:55
